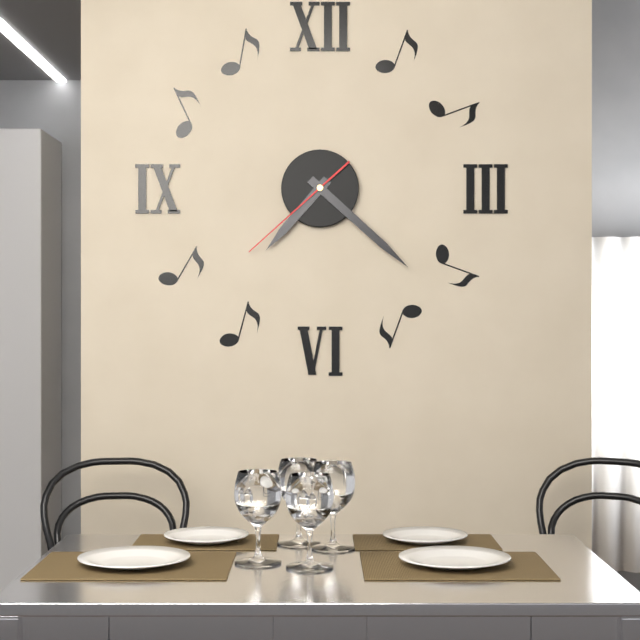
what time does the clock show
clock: 7:22:38
